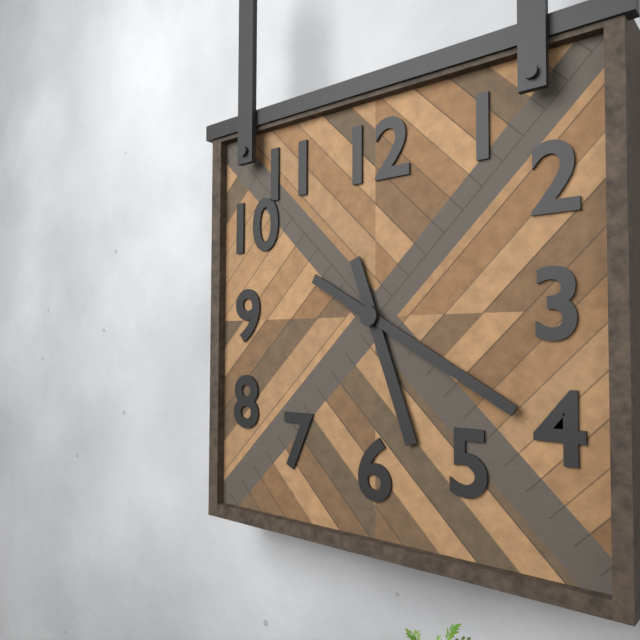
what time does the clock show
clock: 5:20
